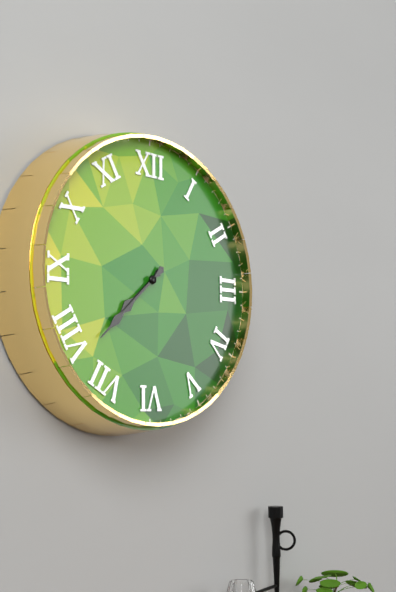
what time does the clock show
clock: 7:38
